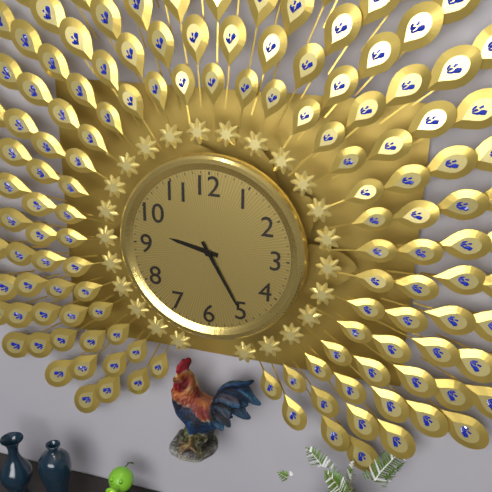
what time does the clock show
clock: 9:25
